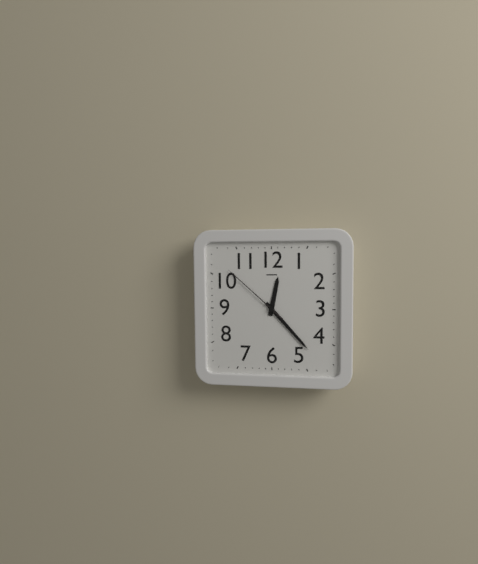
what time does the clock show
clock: 12:23:52
